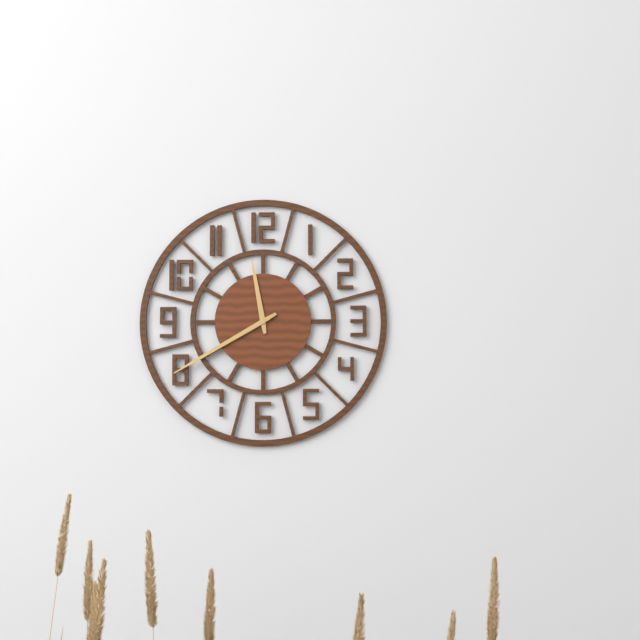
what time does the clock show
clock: 11:40
